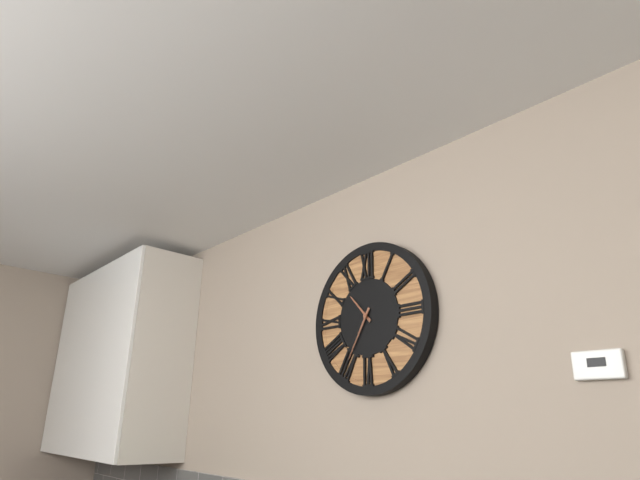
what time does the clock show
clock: 10:35
